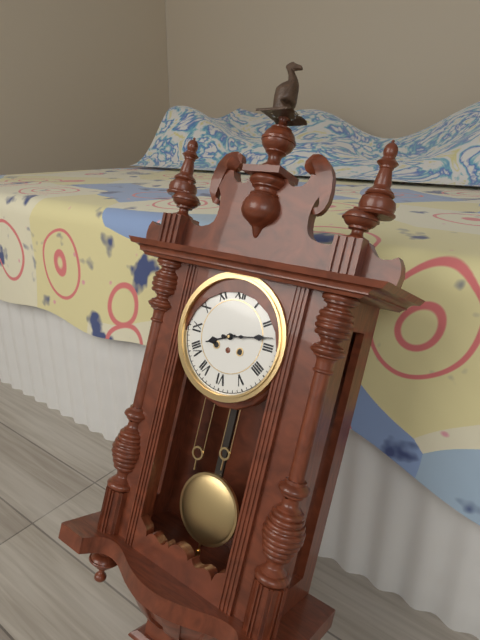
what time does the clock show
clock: 8:13
